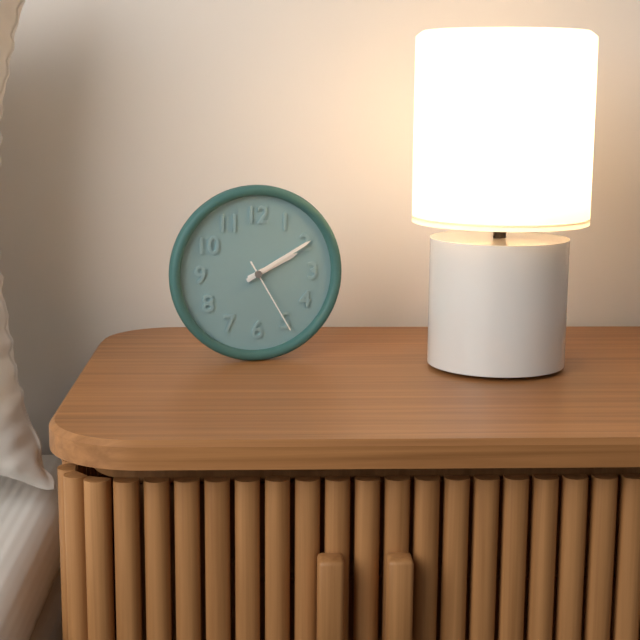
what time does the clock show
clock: 2:10:25
